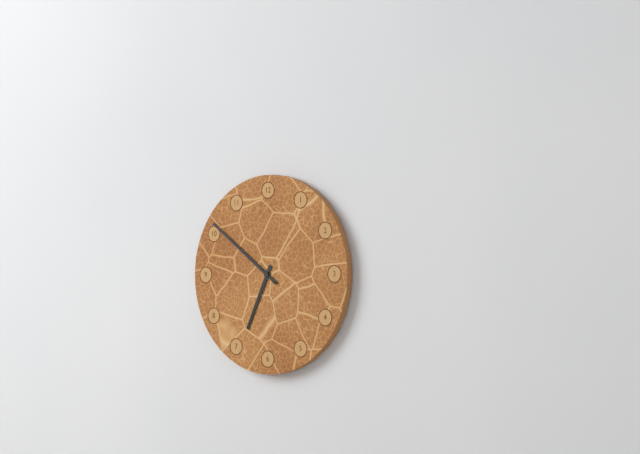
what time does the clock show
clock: 6:51
